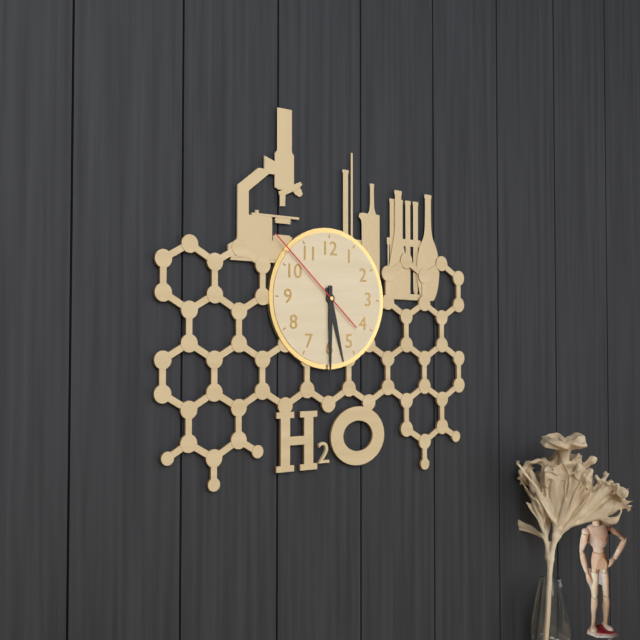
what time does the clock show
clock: 5:30:52
